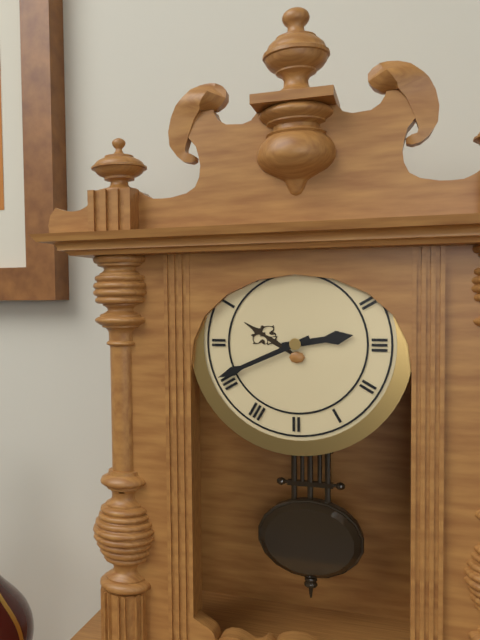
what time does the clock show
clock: 2:41
